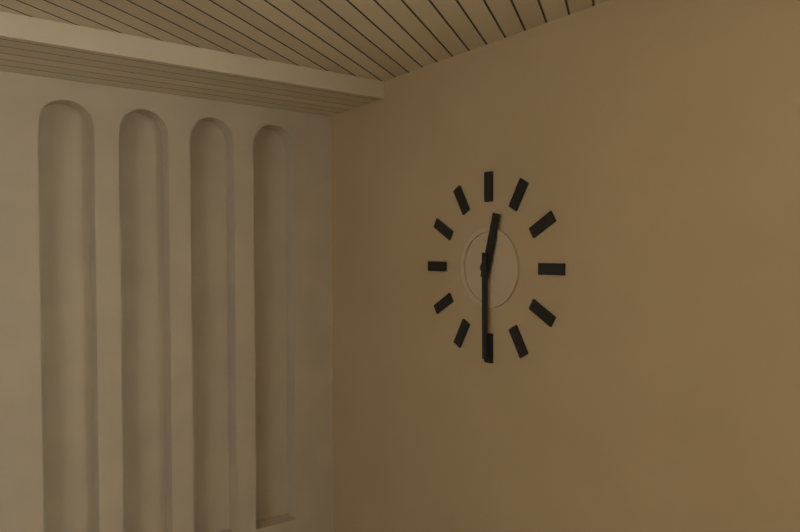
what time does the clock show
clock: 12:30
